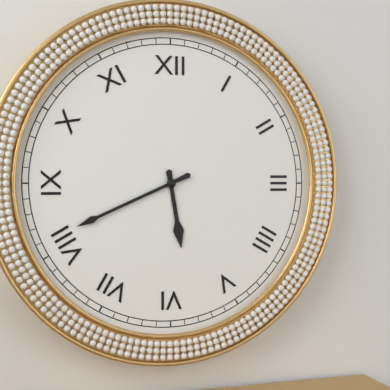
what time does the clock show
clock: 5:41
